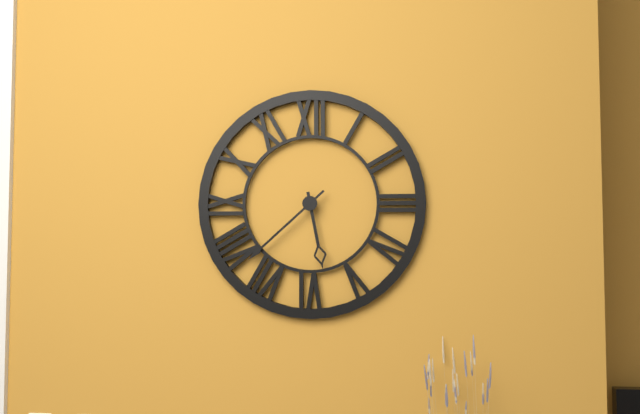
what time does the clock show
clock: 5:38
